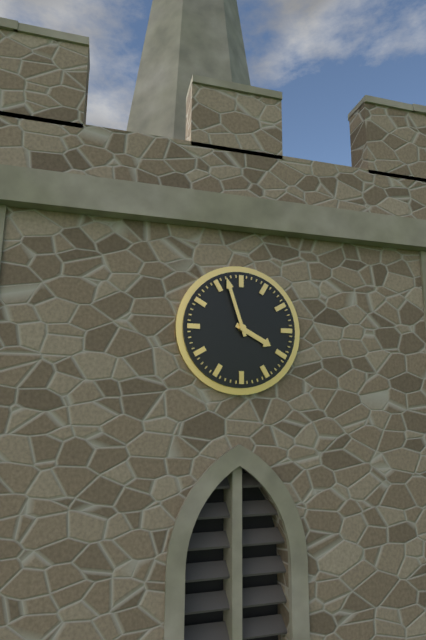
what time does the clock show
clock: 3:57
